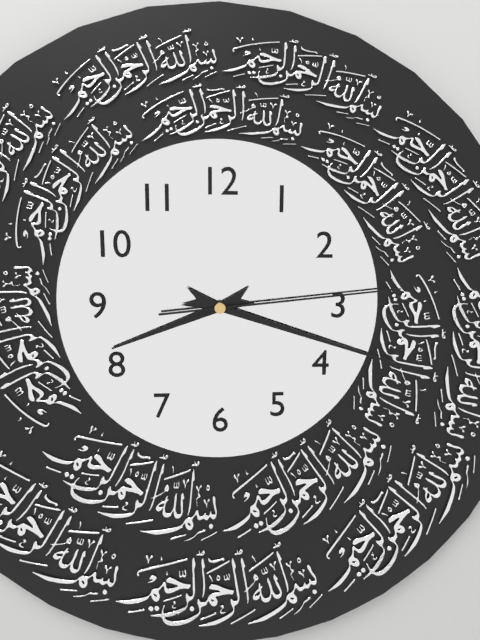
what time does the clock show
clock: 8:18:14
